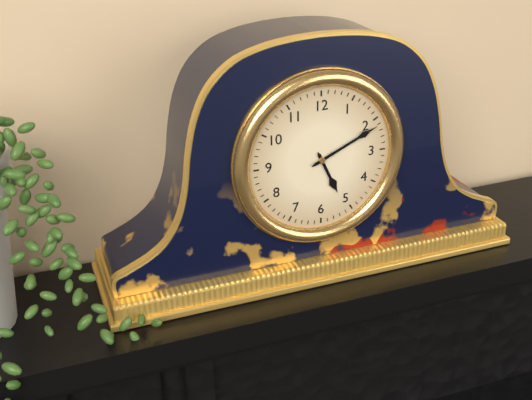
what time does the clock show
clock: 5:11
